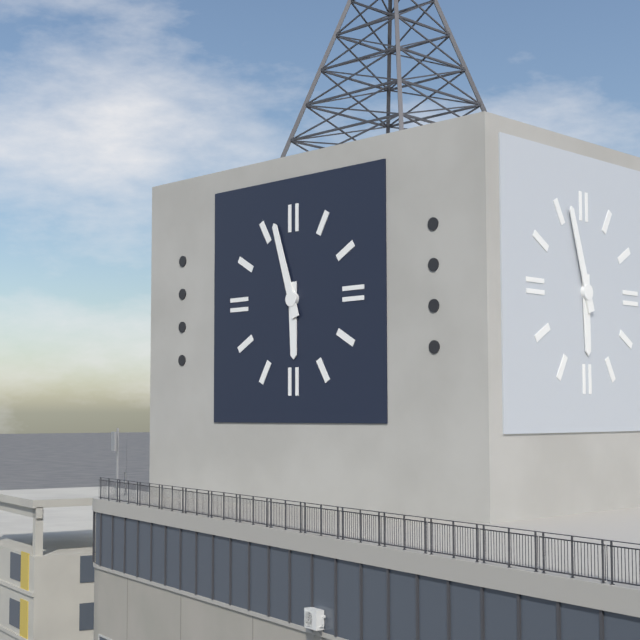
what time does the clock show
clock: 5:57
